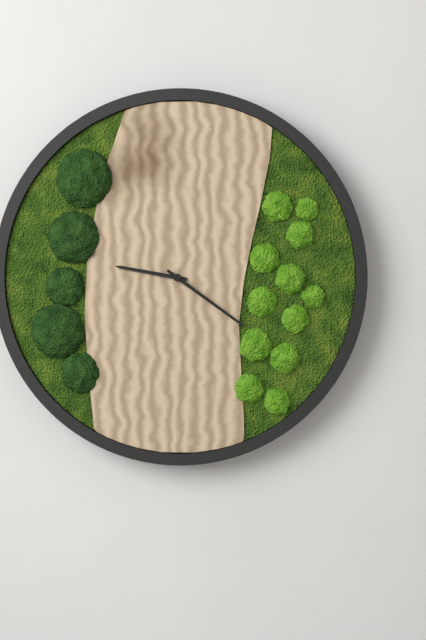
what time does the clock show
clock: 9:21
